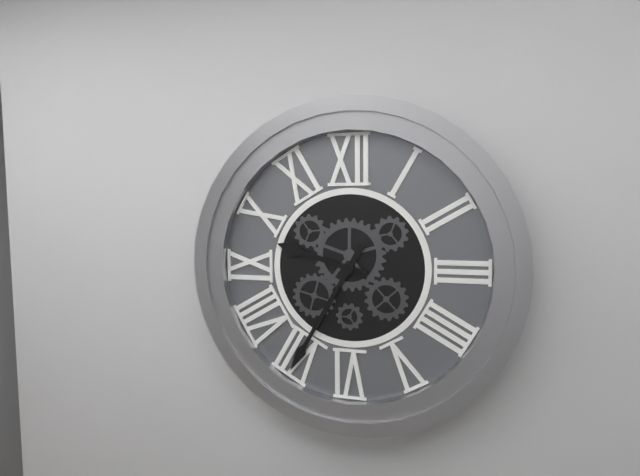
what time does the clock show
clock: 9:35
